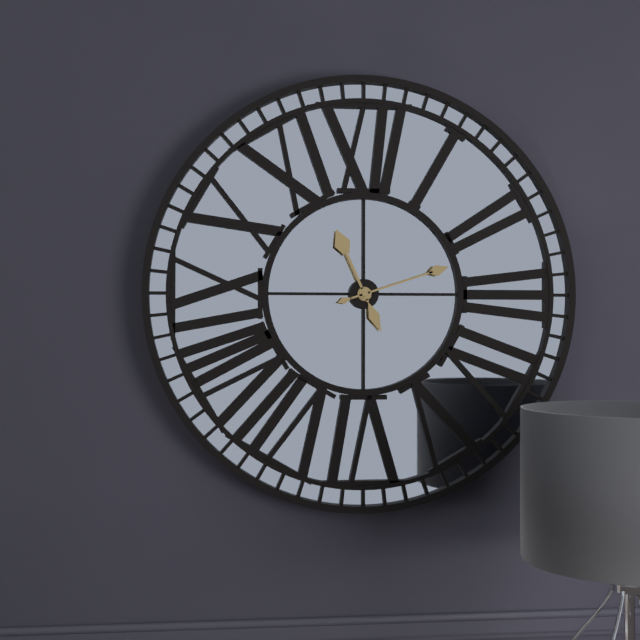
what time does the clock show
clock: 11:12
